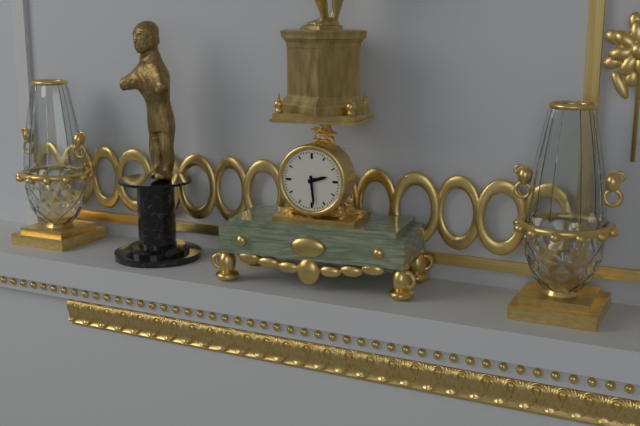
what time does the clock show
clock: 2:29
